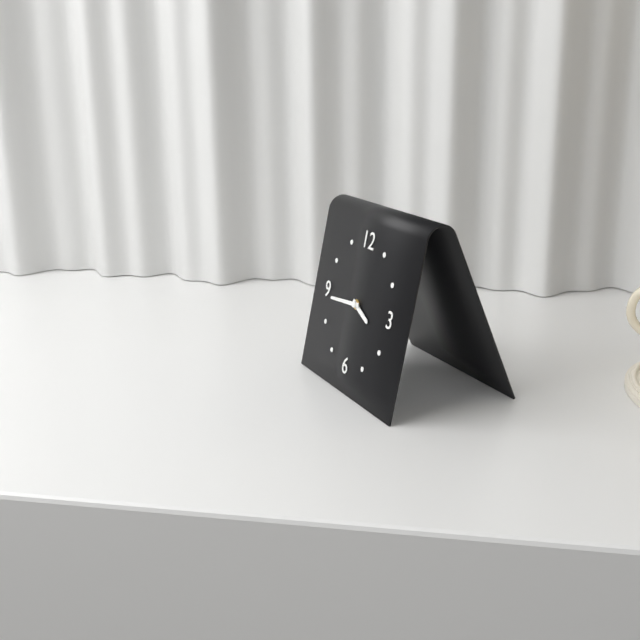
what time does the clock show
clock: 3:44
